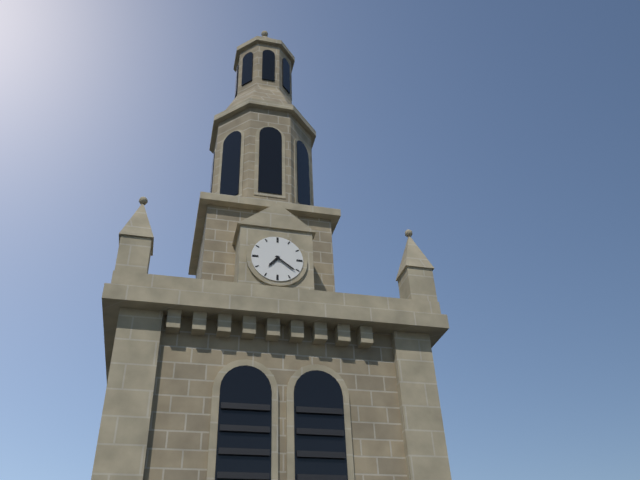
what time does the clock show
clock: 7:21
